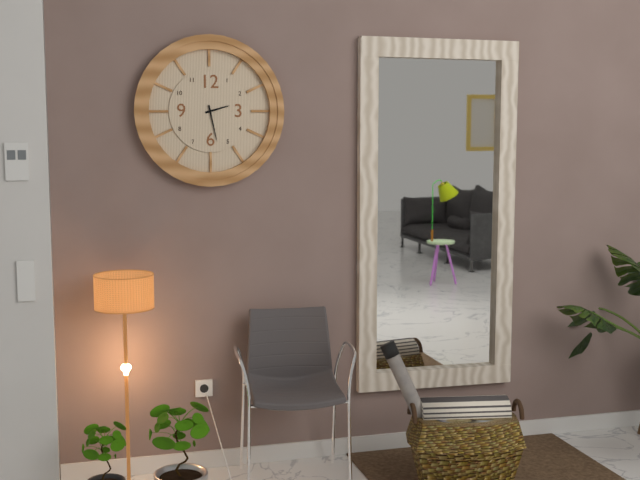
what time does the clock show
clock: 2:28
